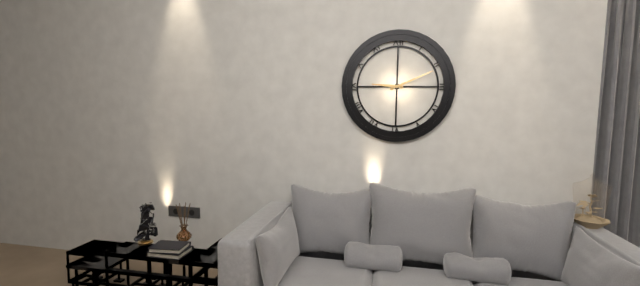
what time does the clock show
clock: 9:11
